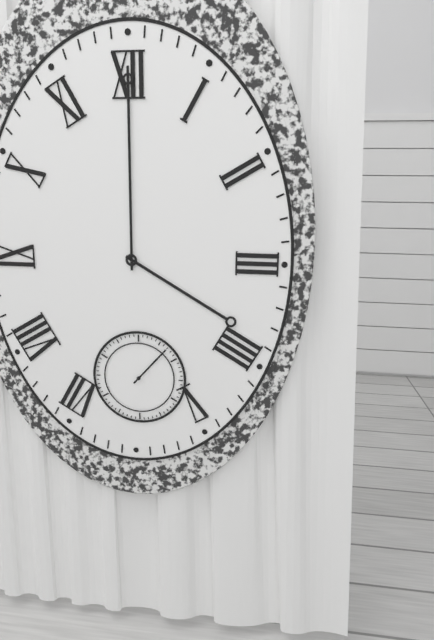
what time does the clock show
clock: 4:00
